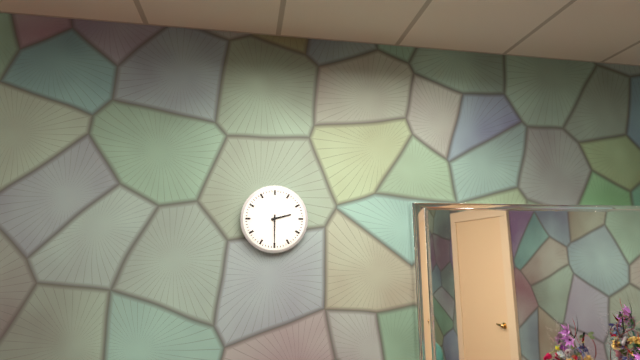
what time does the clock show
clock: 2:30
